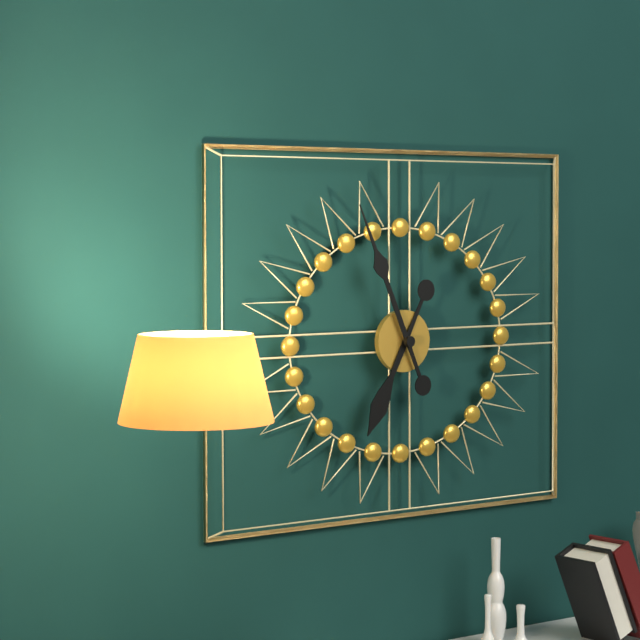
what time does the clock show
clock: 6:56
